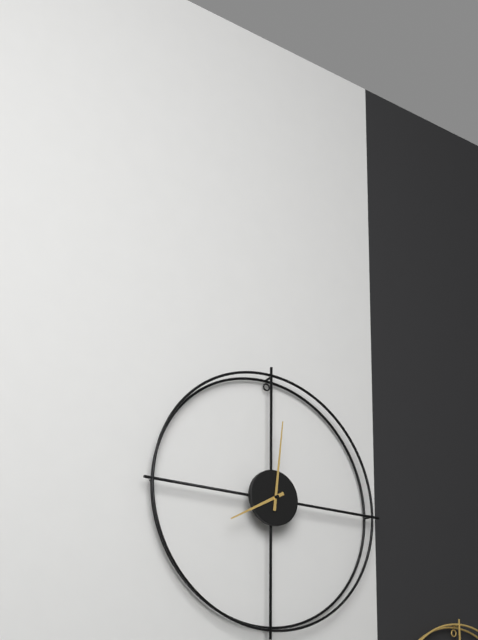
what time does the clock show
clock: 8:01
